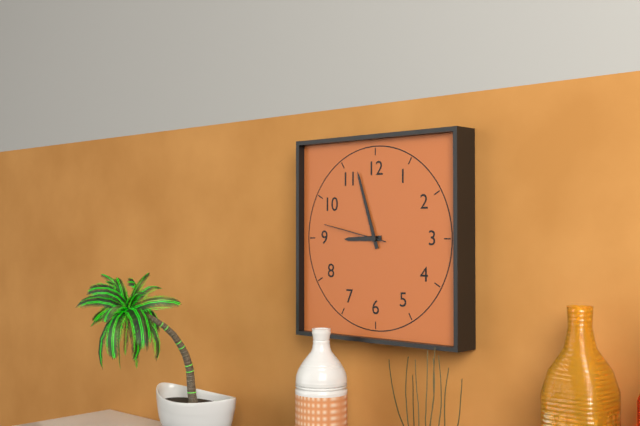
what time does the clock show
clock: 8:57:47
